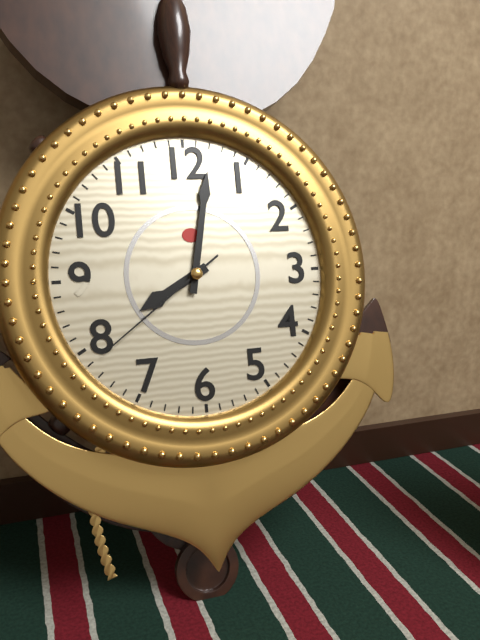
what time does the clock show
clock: 8:02:39
